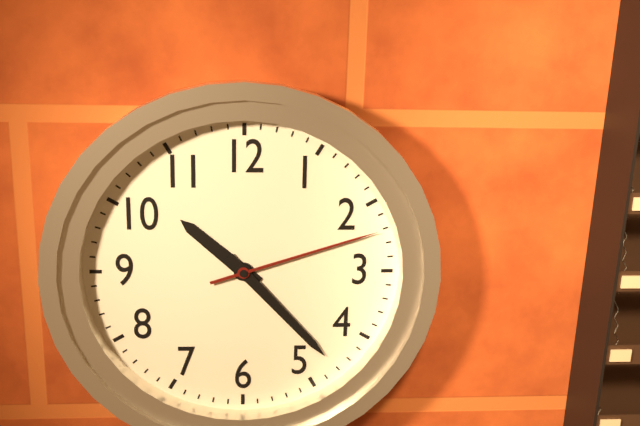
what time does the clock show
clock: 10:23:12
